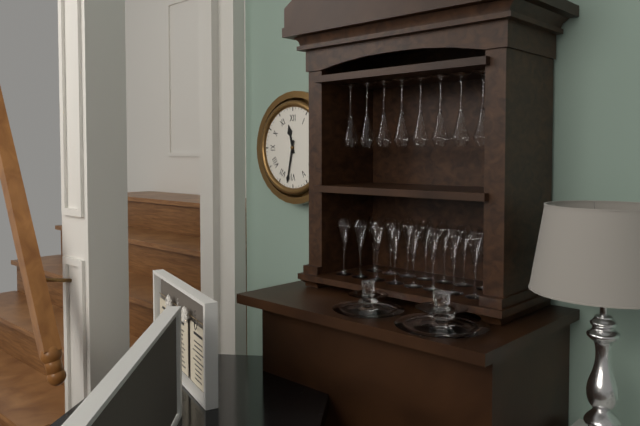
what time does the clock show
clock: 11:32
